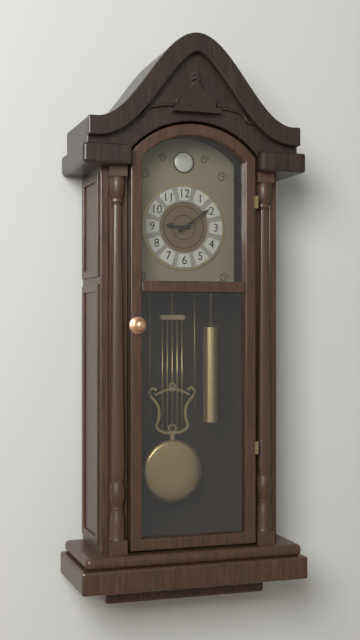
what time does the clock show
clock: 9:09
